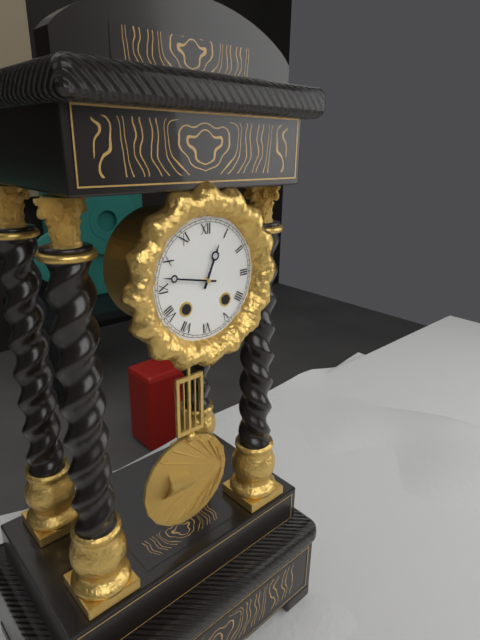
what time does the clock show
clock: 12:47
